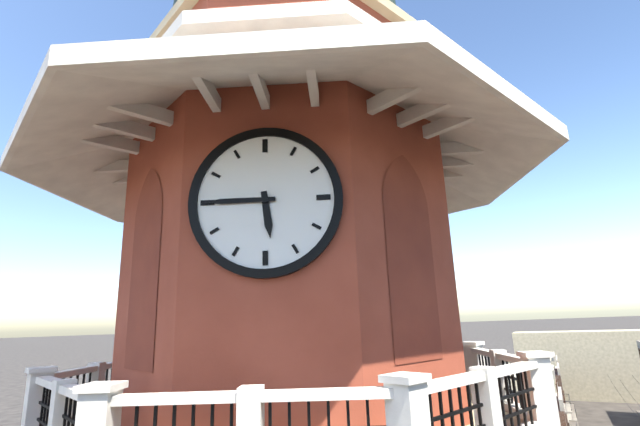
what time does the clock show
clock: 5:45
